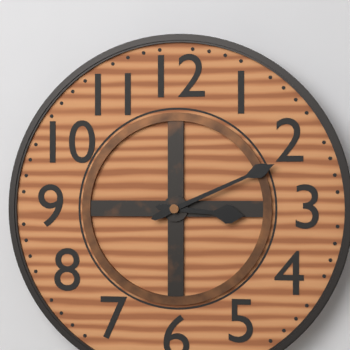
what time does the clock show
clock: 3:11
